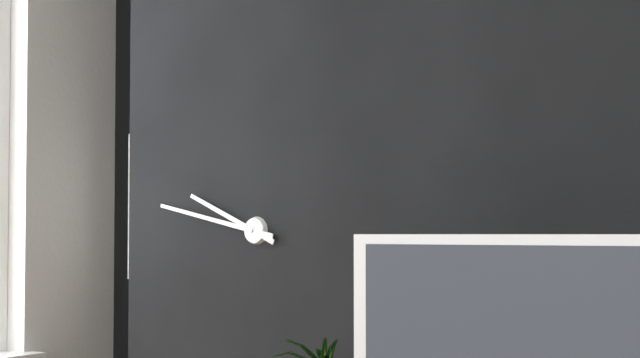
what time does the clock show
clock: 9:47
